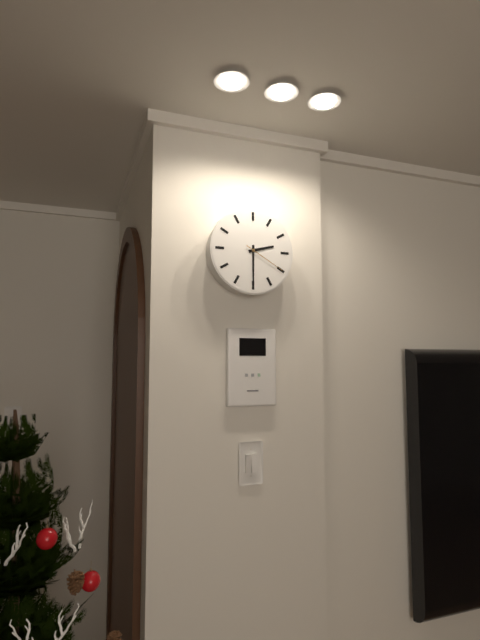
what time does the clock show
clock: 2:30
